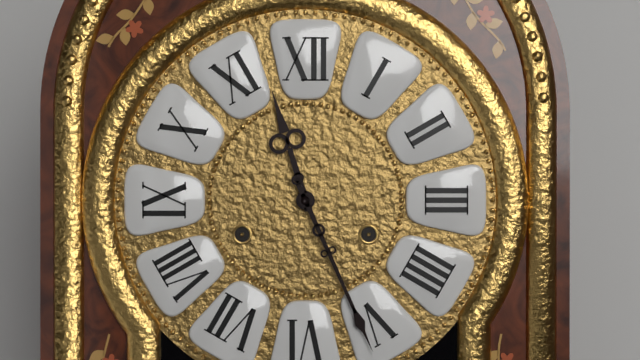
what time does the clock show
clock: 11:26
